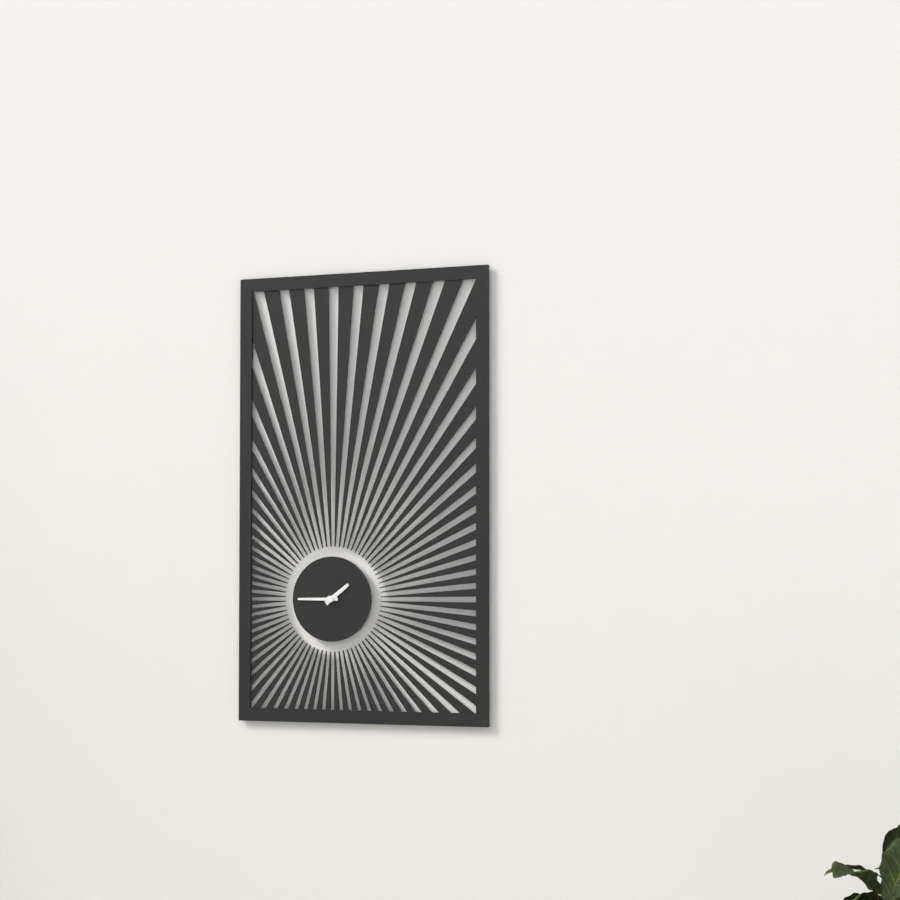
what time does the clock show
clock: 1:45
